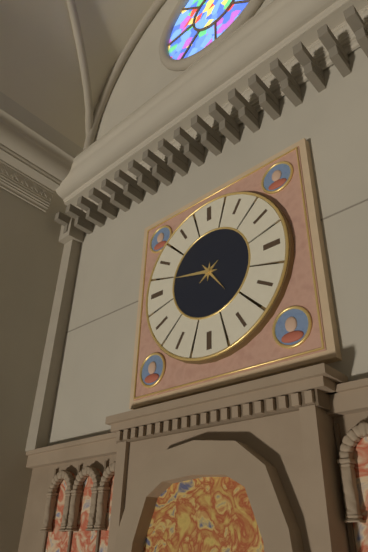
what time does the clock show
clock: 4:47
